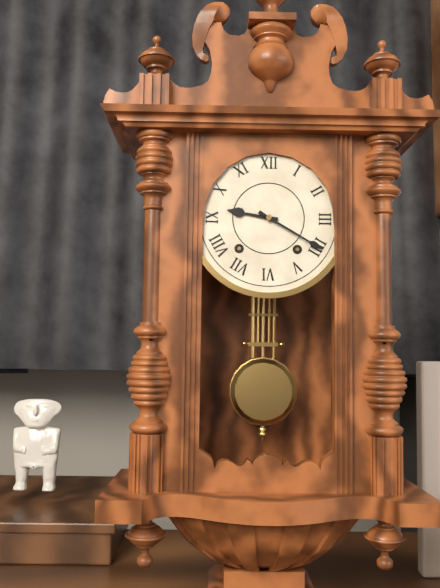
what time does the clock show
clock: 9:20
